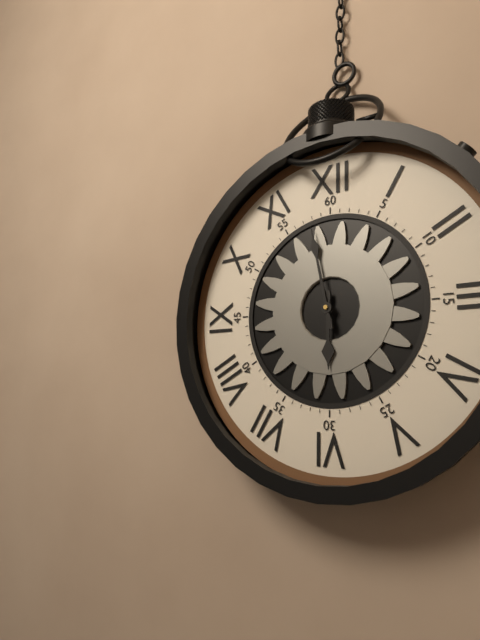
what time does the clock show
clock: 5:58
